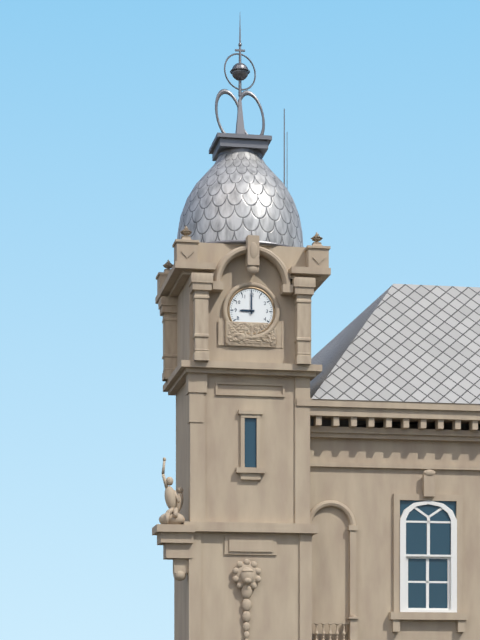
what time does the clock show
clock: 9:00
